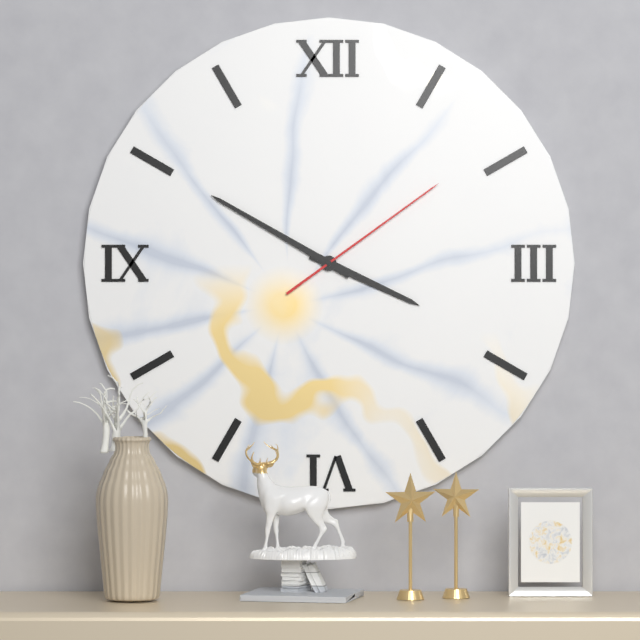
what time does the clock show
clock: 3:50:09
